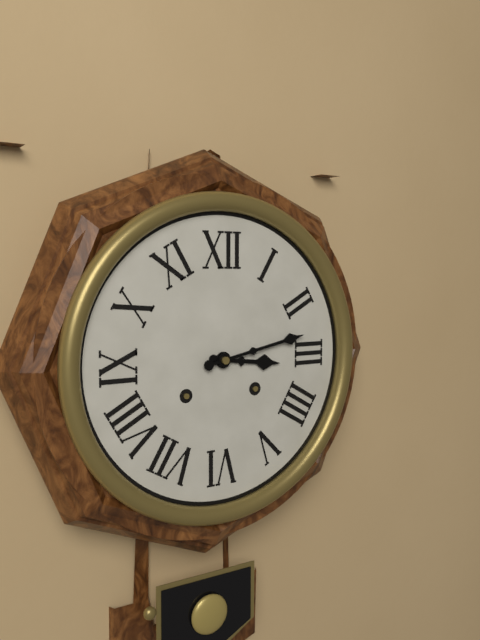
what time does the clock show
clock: 3:13
